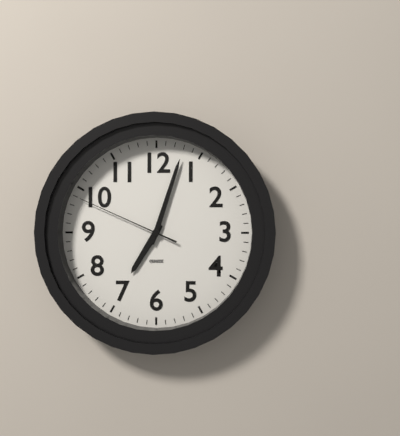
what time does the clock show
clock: 7:03:49
